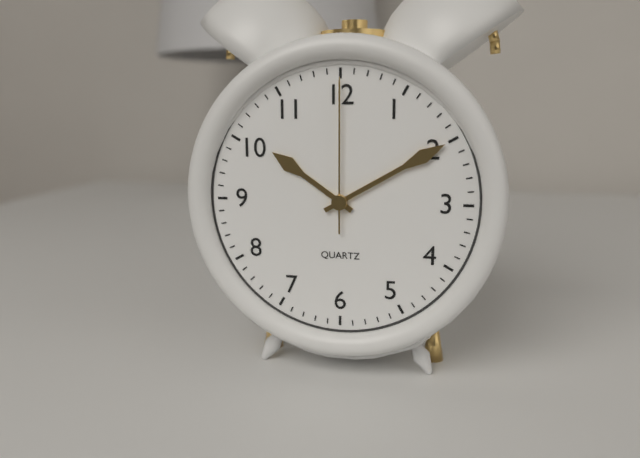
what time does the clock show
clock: 10:10:00
